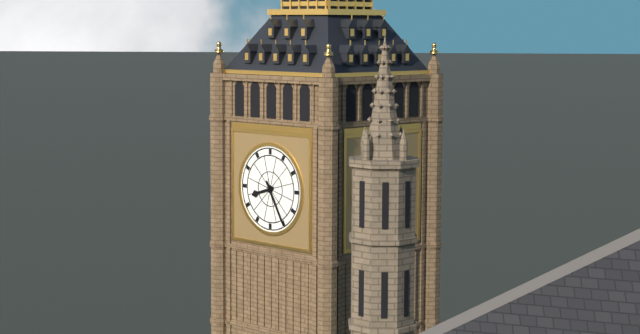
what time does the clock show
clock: 8:25
